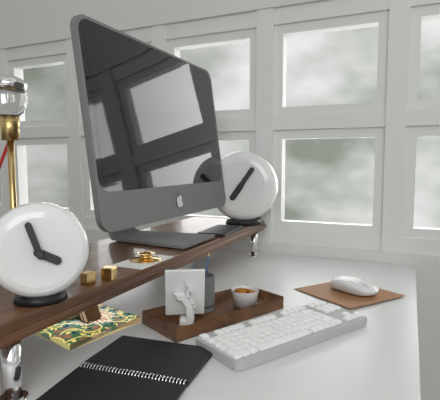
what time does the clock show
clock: 3:57
